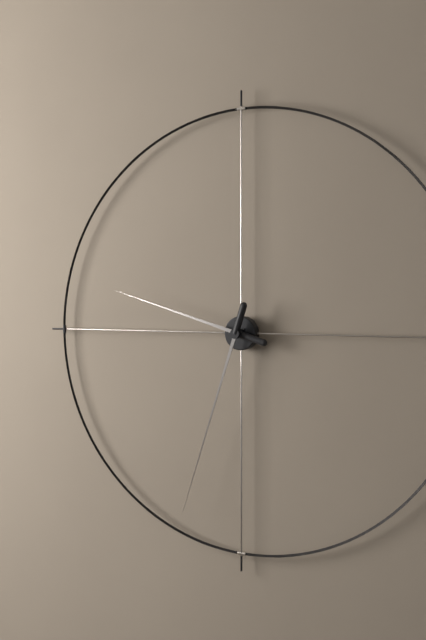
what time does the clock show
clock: 9:33
